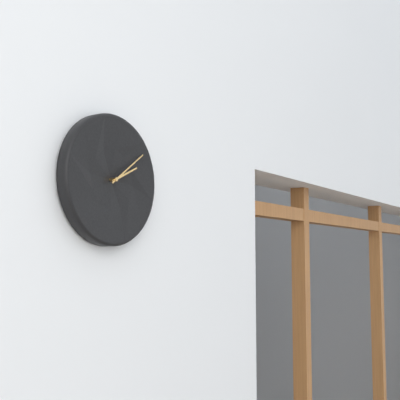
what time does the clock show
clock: 2:09
